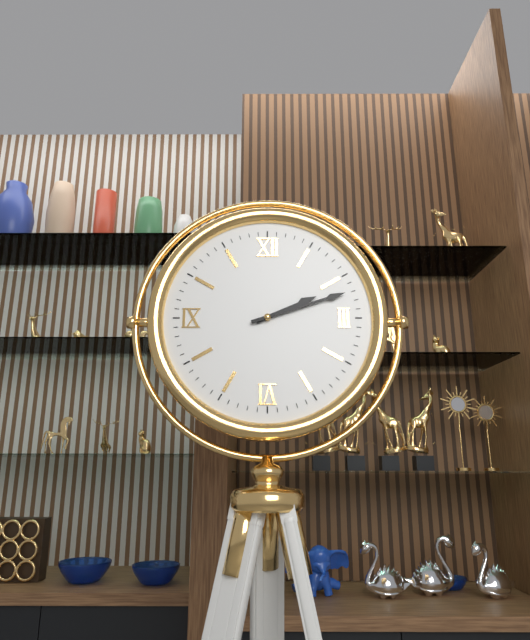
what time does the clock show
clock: 2:12
